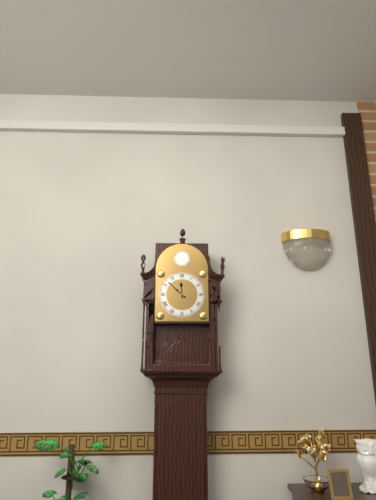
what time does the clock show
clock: 11:52
